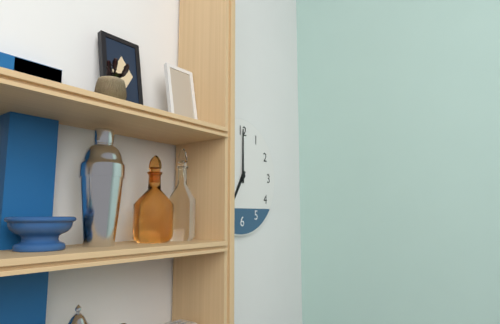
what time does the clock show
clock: 7:00
